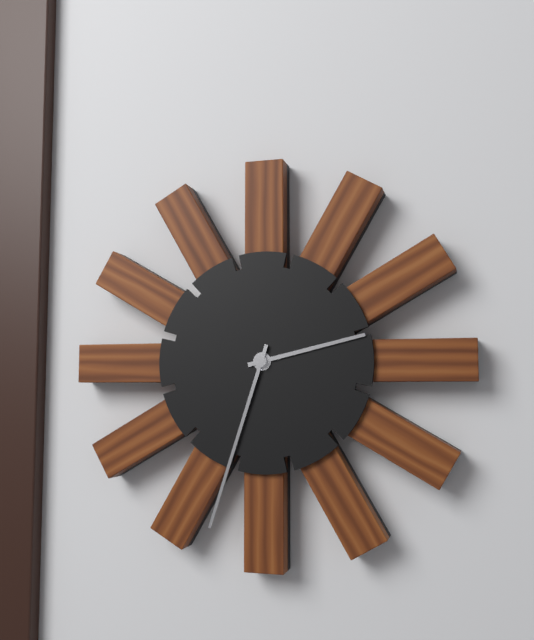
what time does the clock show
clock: 2:33
